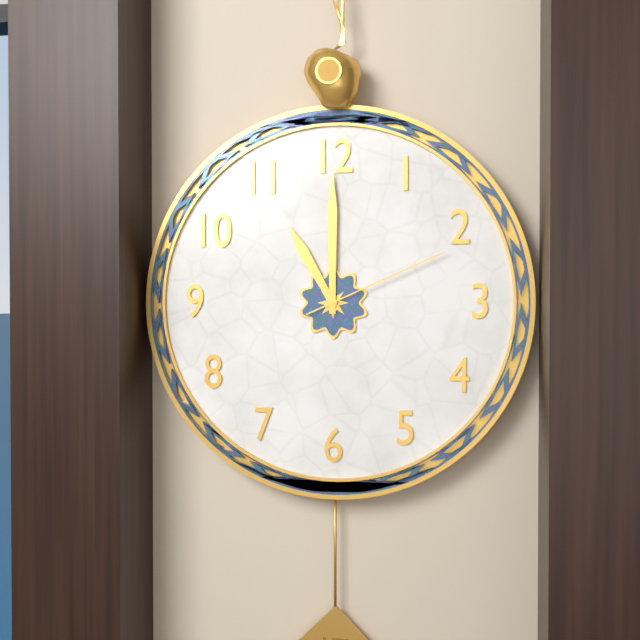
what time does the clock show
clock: 11:00:11
